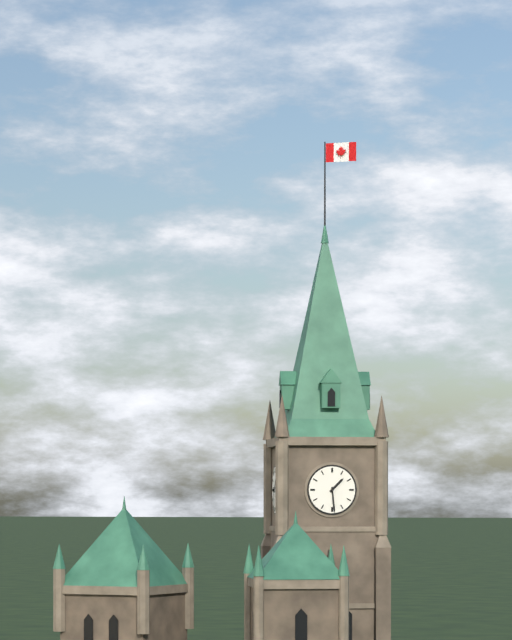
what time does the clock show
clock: 1:29
